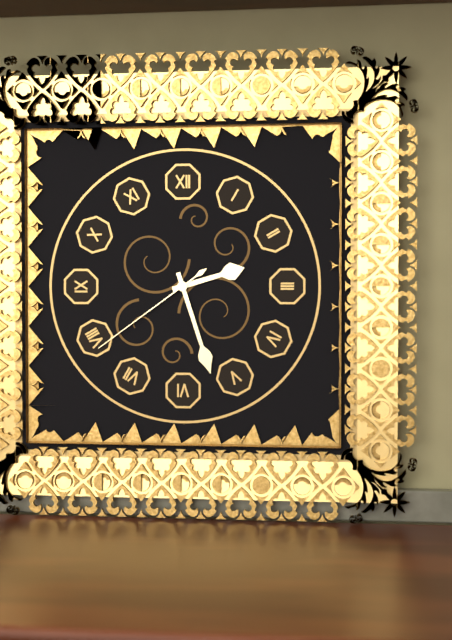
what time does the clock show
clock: 2:27:39
